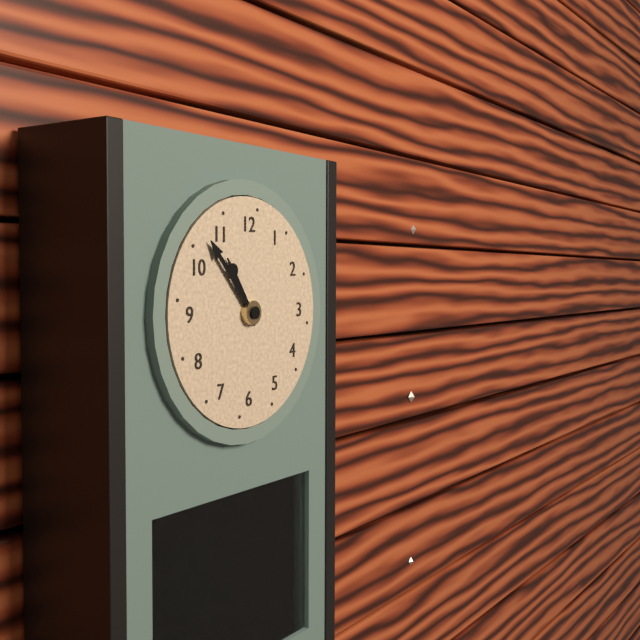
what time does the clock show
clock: 10:53
